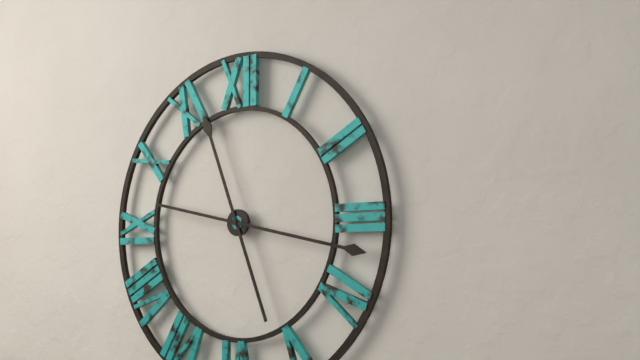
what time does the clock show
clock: 11:17
